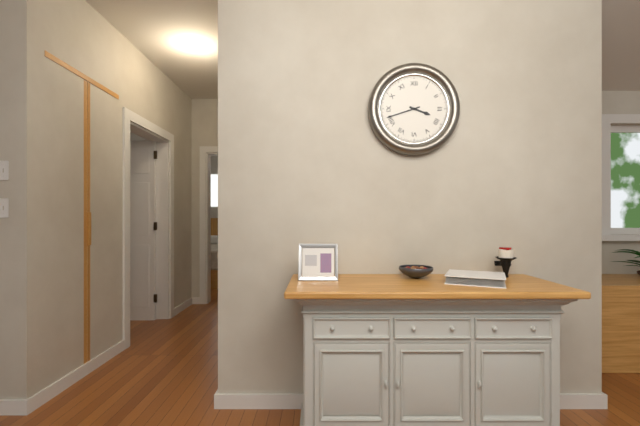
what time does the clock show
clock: 3:42
